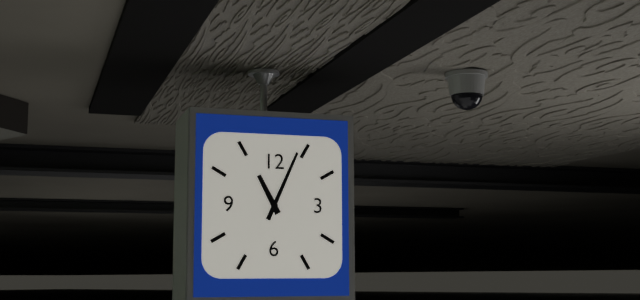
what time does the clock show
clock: 11:04
